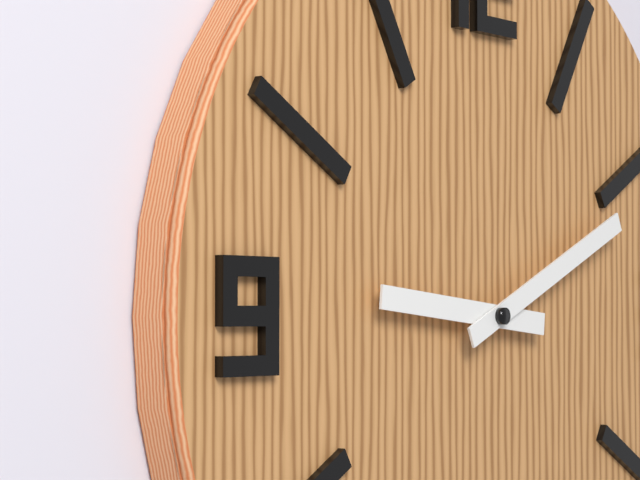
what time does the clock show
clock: 9:11
